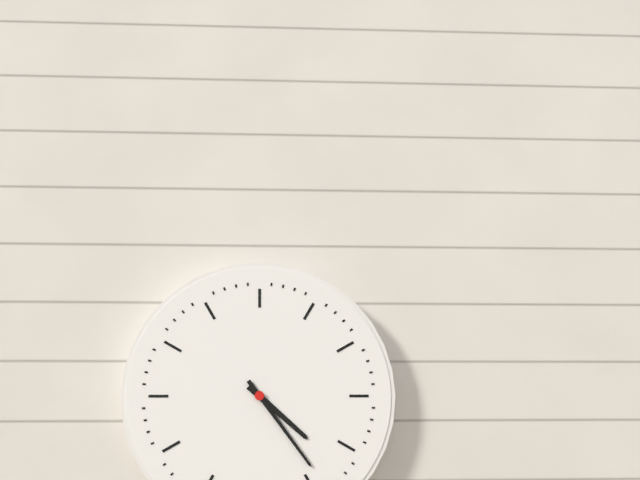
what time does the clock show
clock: 4:24
